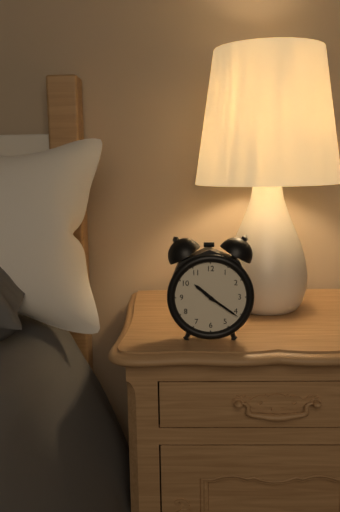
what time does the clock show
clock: 10:21
